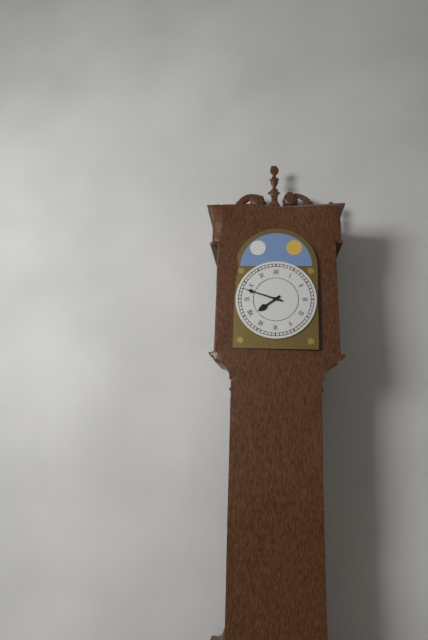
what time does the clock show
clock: 7:48
